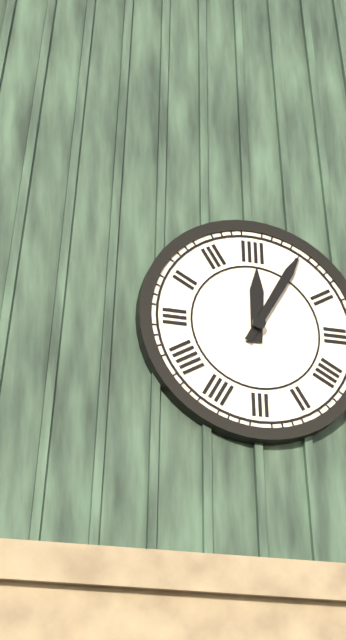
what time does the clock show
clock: 12:05
